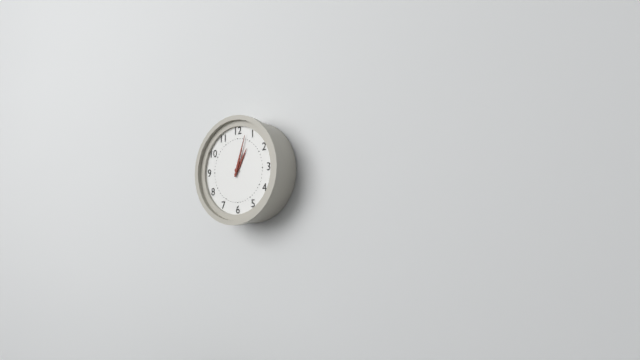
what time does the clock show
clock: 1:03
